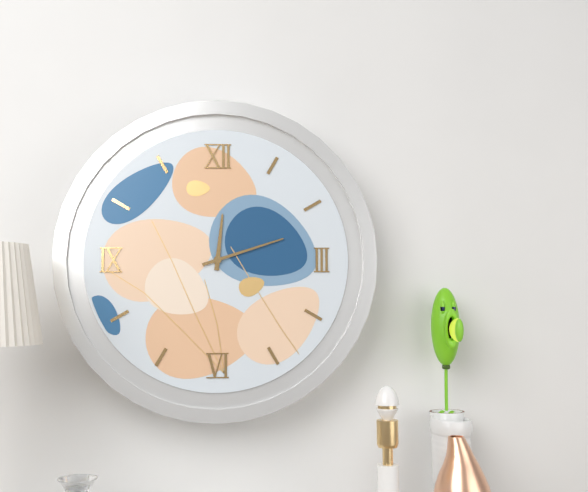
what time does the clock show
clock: 12:12
